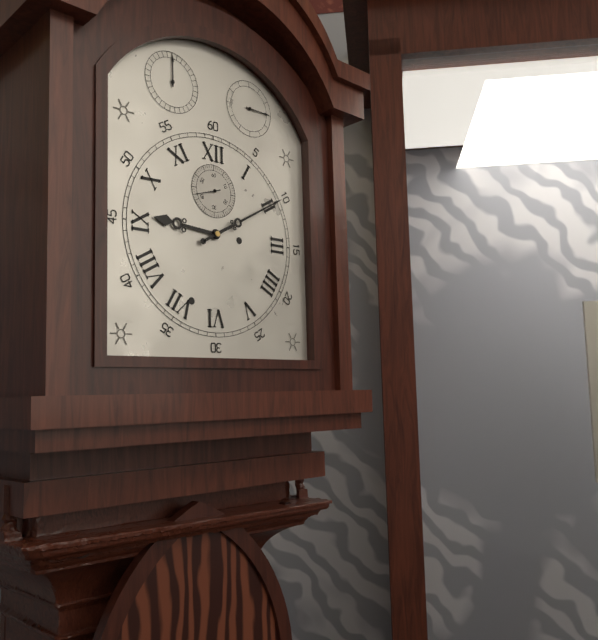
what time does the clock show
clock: 9:10
